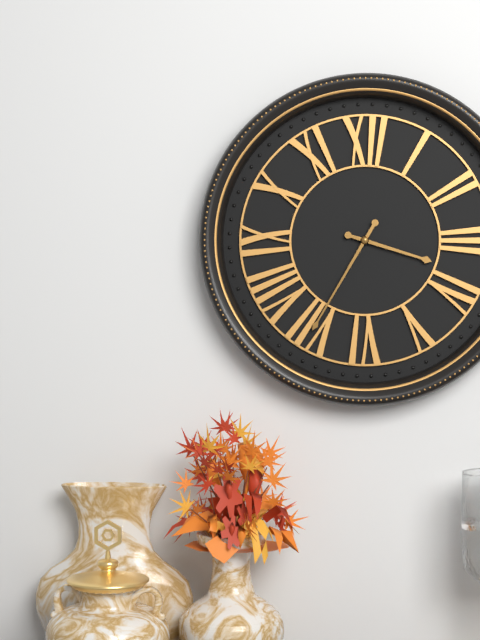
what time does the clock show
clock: 3:35
